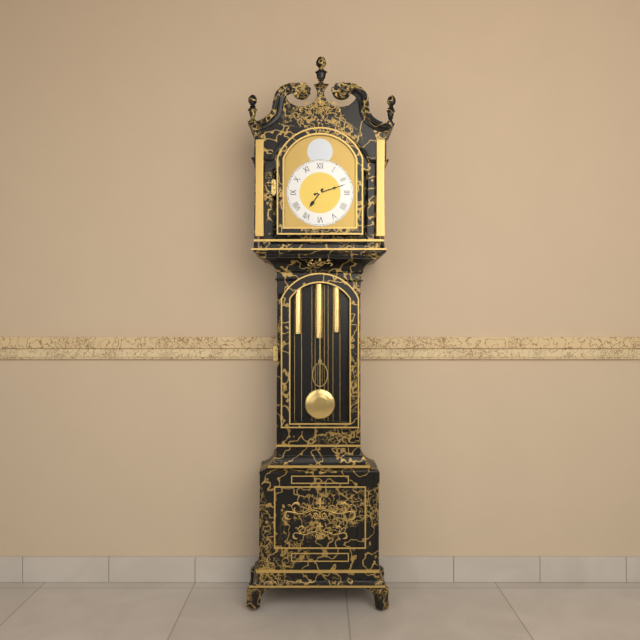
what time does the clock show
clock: 7:12
